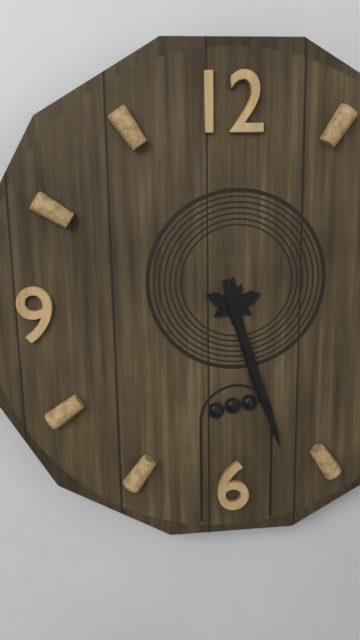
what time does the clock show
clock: 5:27
